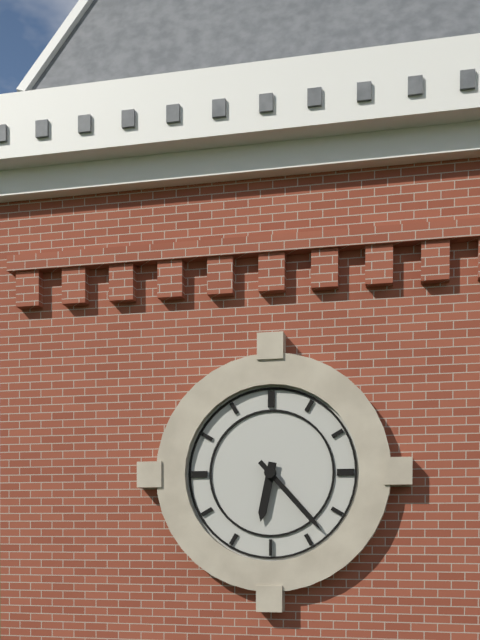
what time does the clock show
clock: 6:23
